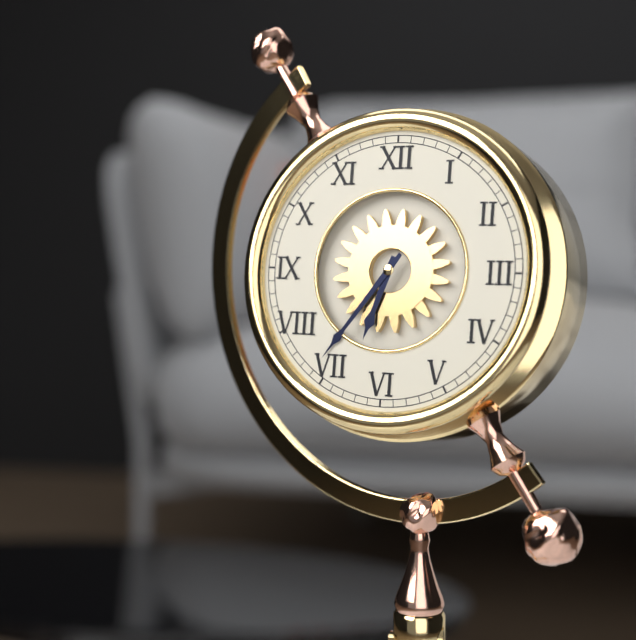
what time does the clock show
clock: 6:36
